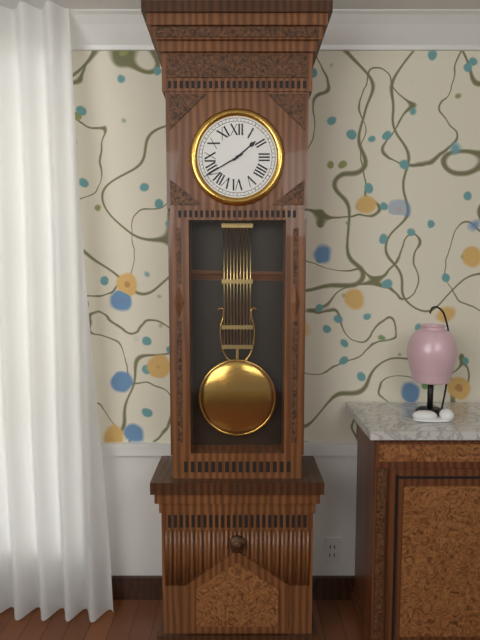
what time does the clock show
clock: 1:40
